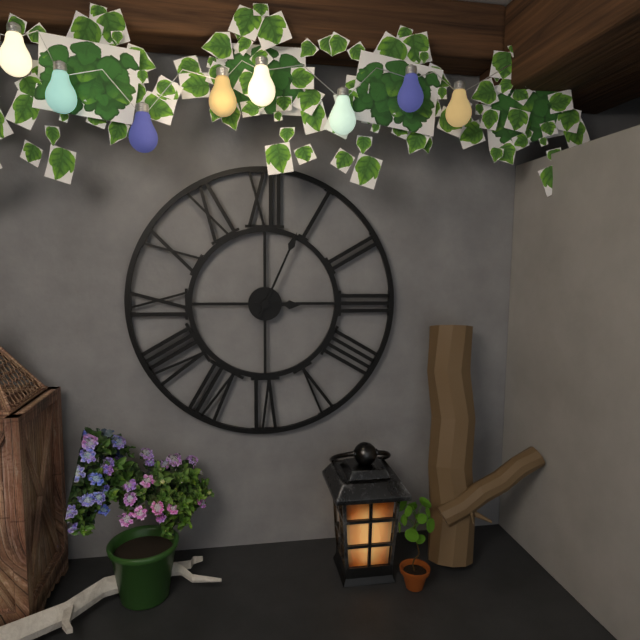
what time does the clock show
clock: 3:04
